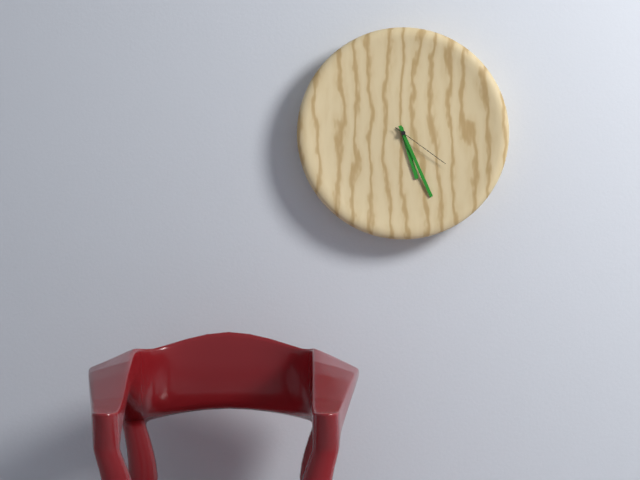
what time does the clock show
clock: 5:26:21
